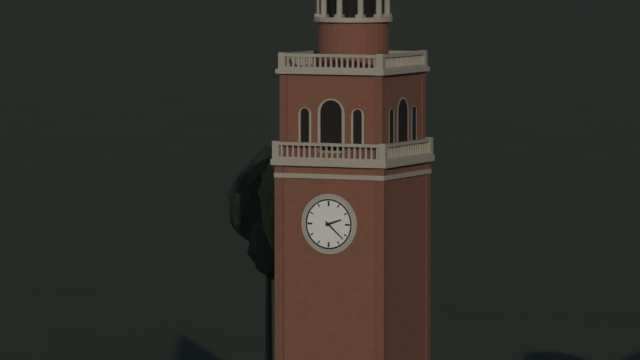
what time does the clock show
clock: 2:22
